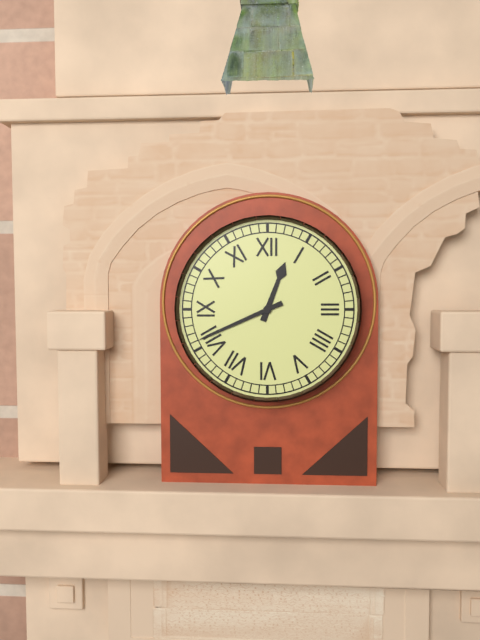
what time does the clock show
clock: 12:41
